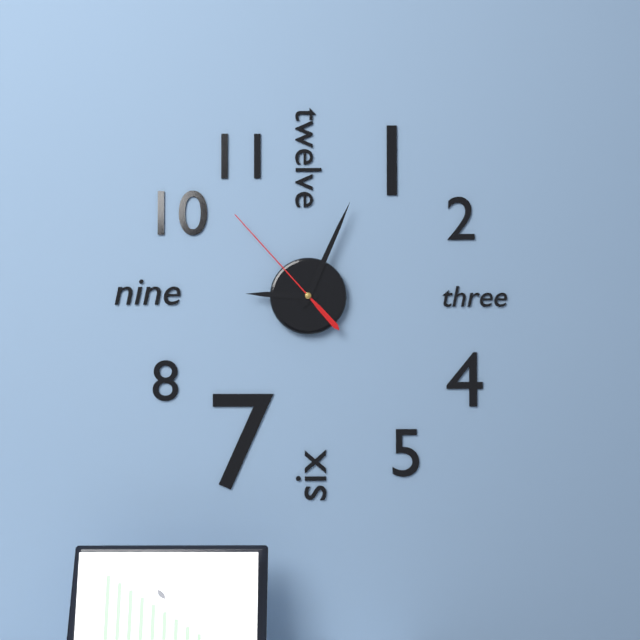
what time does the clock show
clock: 9:04:53
